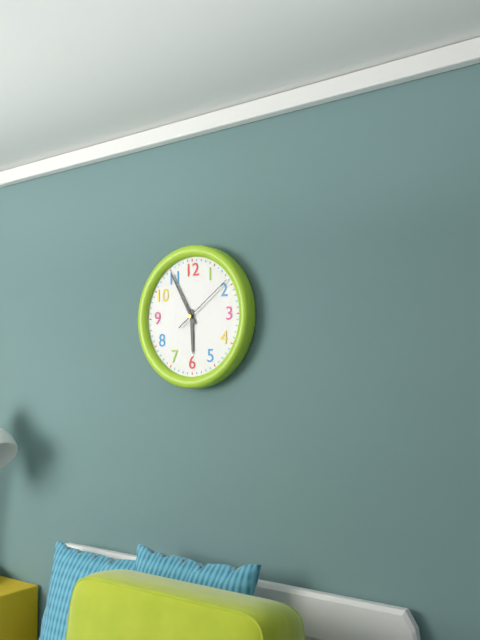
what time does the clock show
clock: 5:55:09
